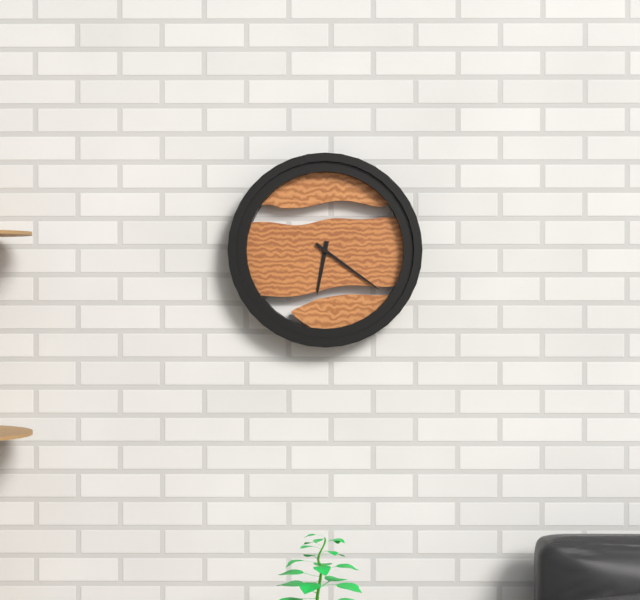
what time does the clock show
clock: 6:21
